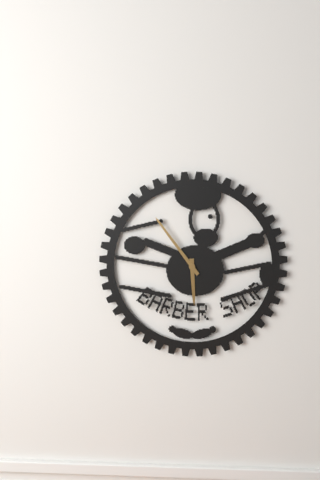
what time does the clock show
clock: 5:54
